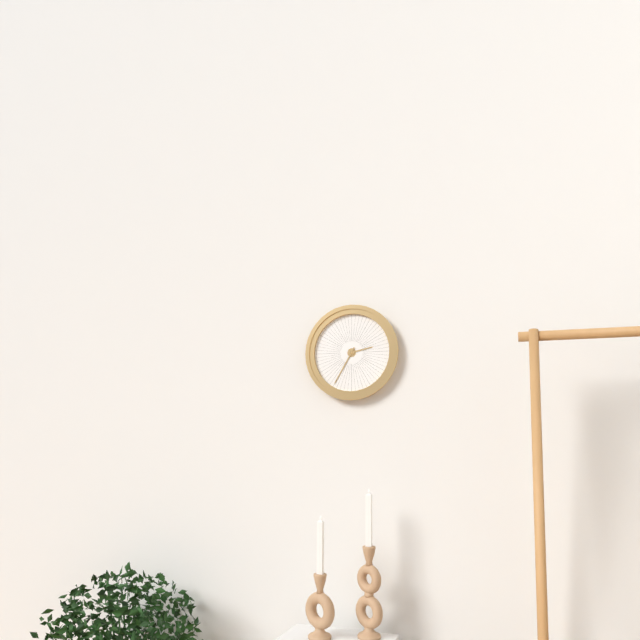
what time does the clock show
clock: 2:35
